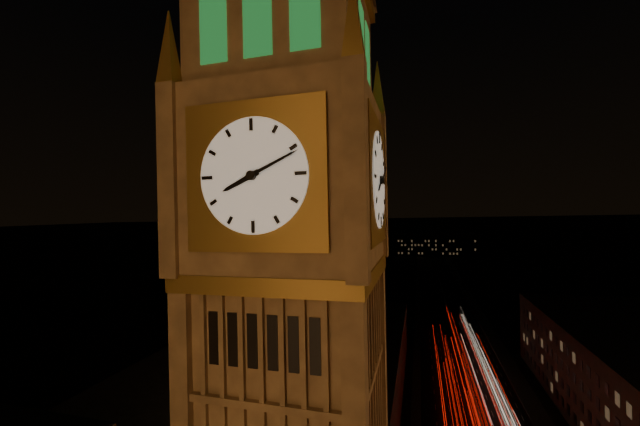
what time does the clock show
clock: 8:11
